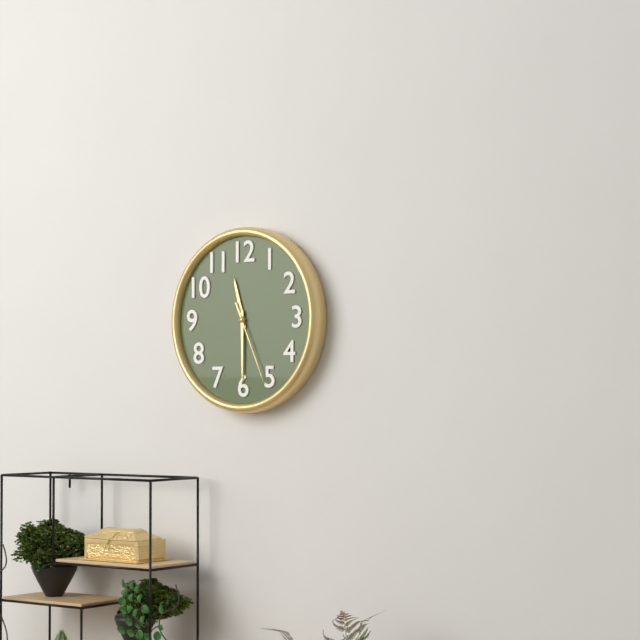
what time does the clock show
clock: 11:30:26
